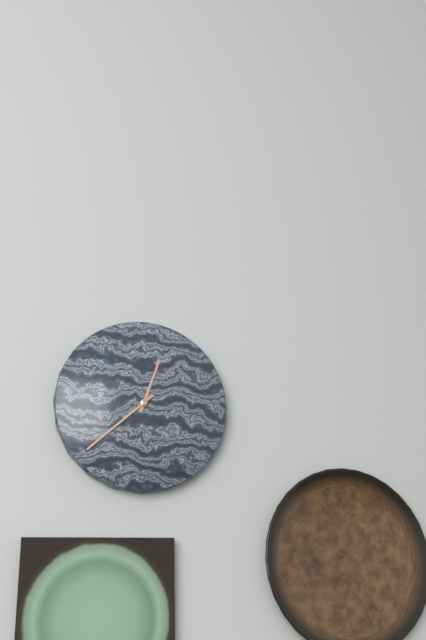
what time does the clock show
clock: 12:38
